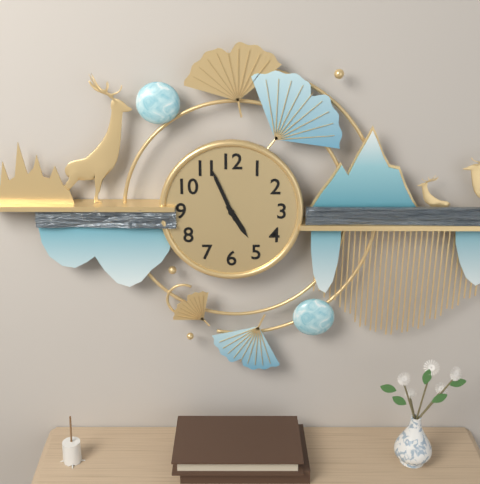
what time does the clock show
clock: 4:56
